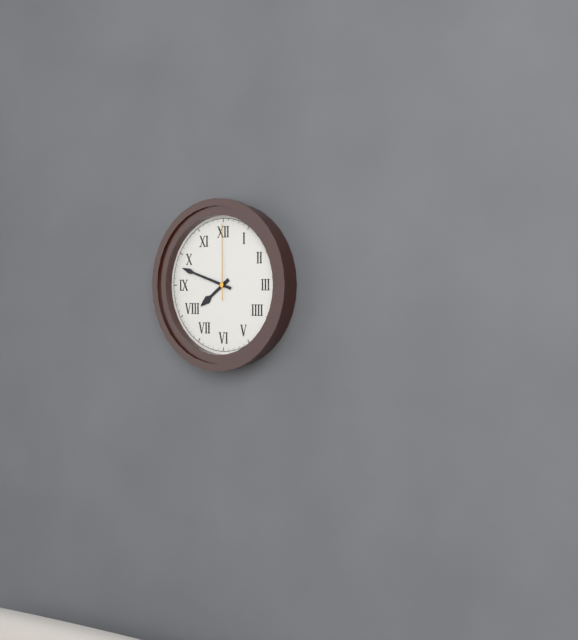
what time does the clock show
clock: 7:48:00
